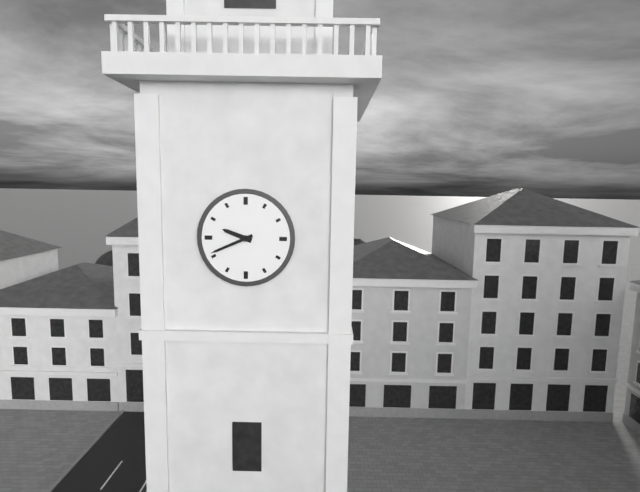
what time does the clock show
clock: 9:41
